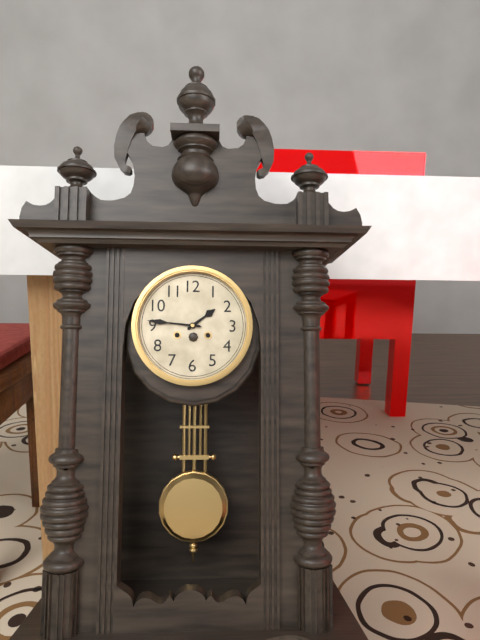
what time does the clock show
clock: 1:46
